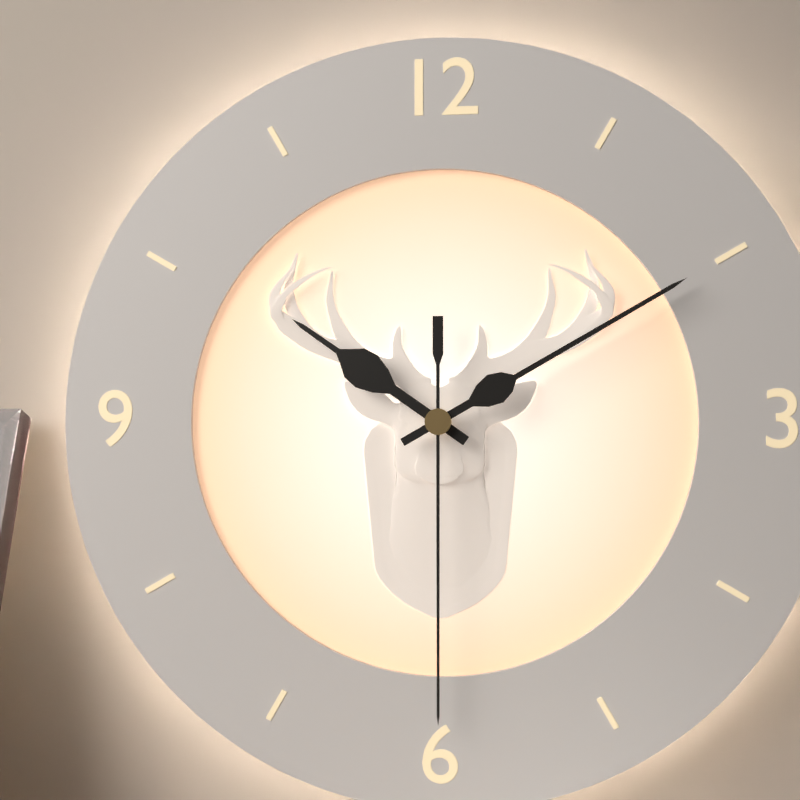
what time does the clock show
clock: 10:10:30
